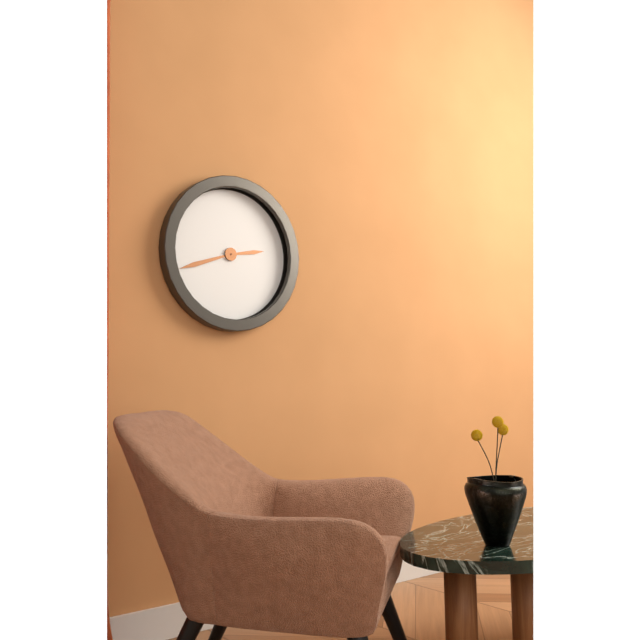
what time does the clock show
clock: 2:42
